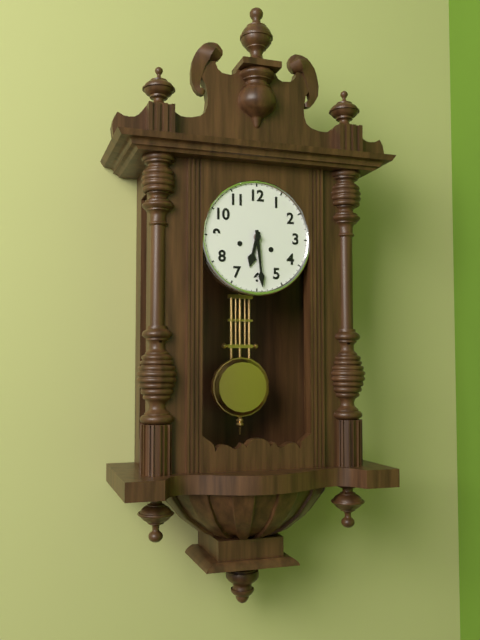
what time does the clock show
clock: 6:29
